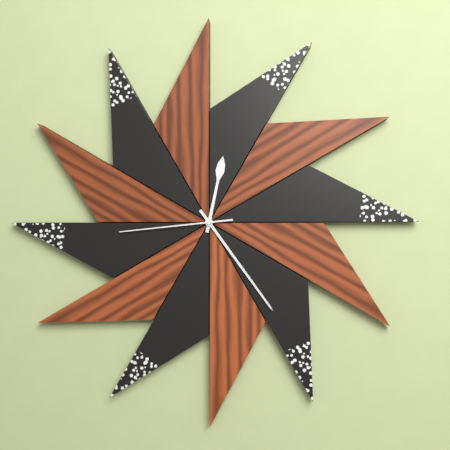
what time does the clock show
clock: 12:24:44
